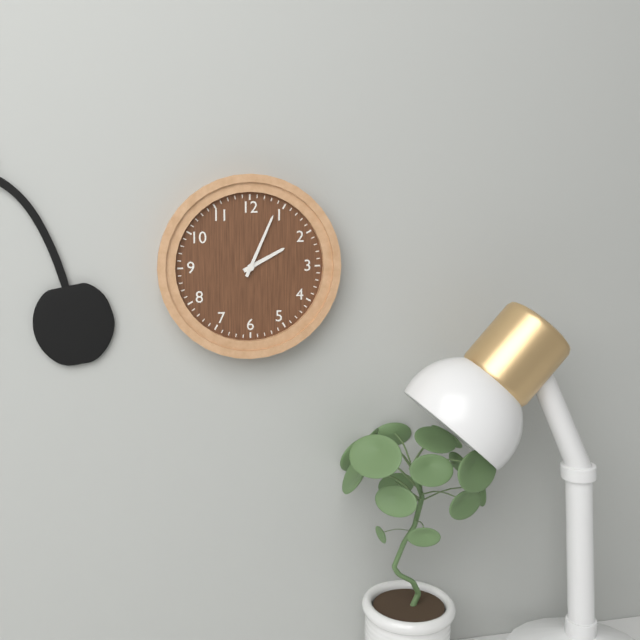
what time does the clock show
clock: 2:04
